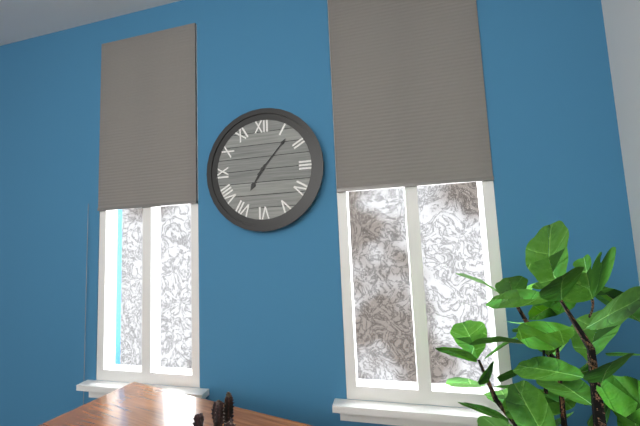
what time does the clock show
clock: 7:07
